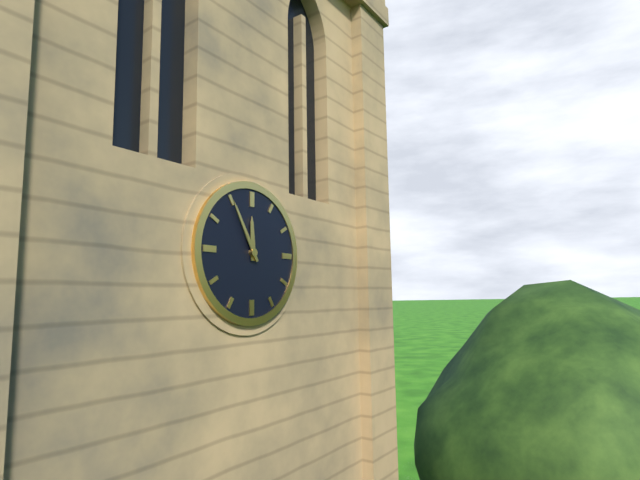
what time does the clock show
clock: 11:55
